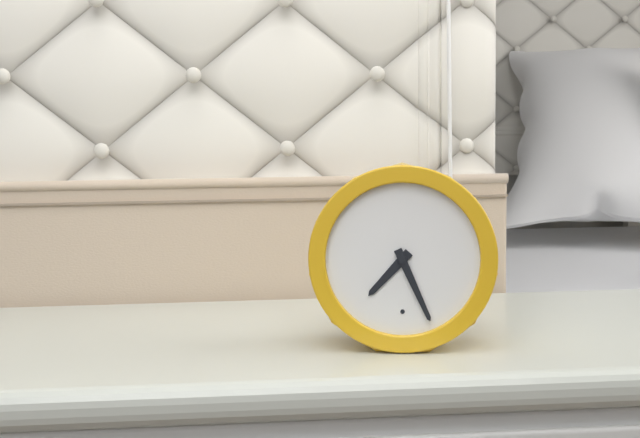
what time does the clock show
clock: 7:26
